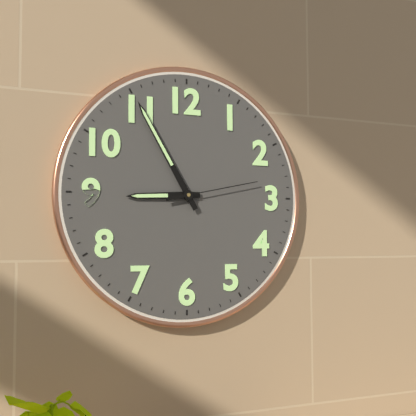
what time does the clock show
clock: 8:55:13
